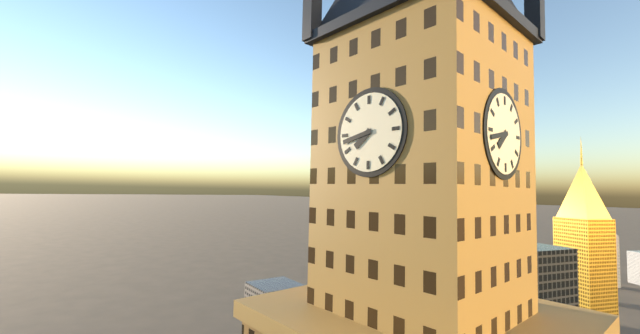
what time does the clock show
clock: 7:43
